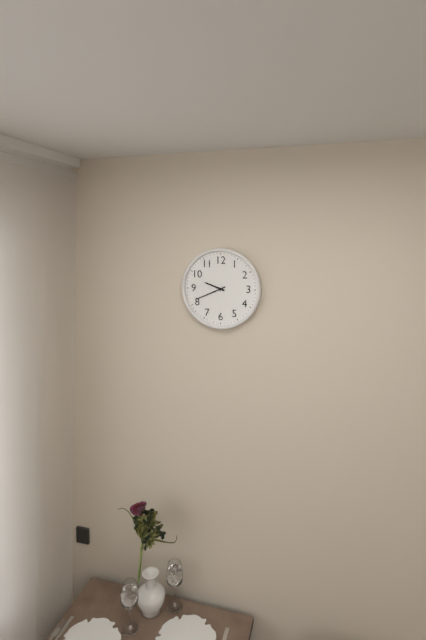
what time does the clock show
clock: 9:41
